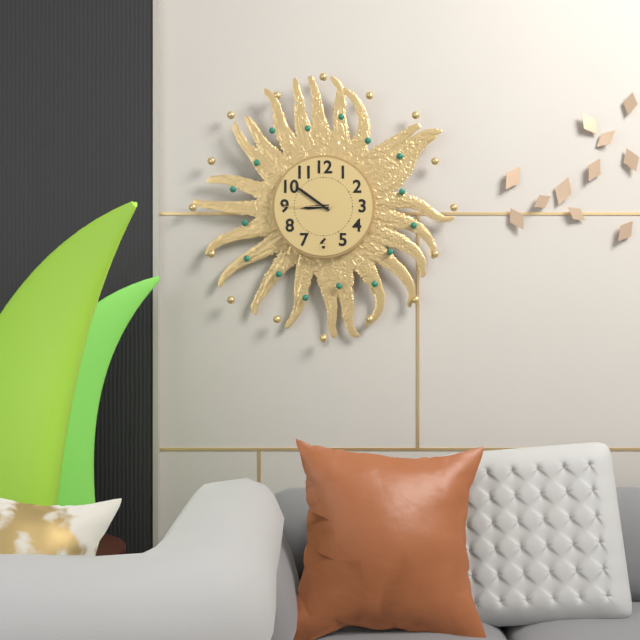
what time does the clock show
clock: 8:51:45
